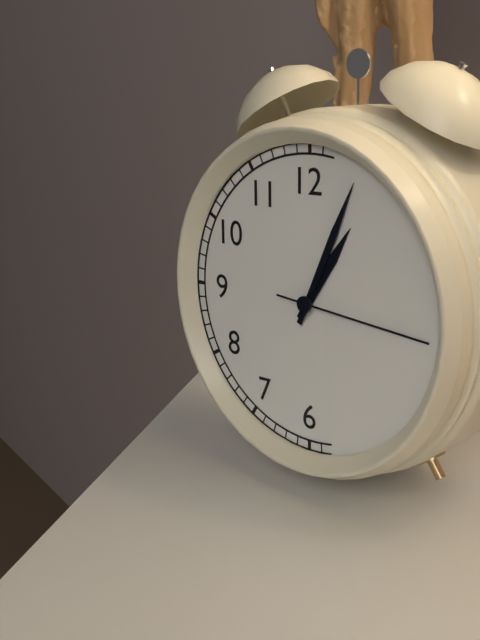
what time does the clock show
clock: 1:04:16
